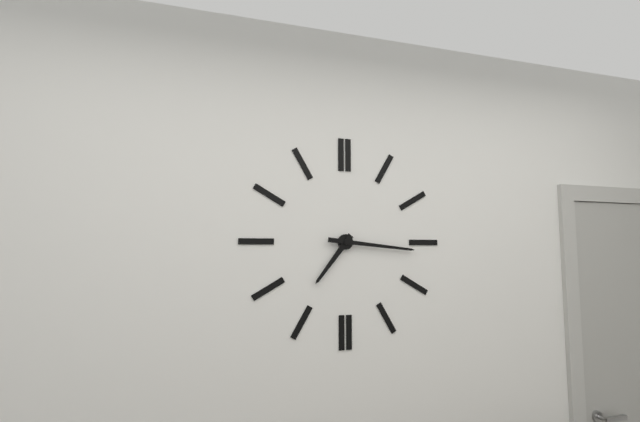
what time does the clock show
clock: 7:16
